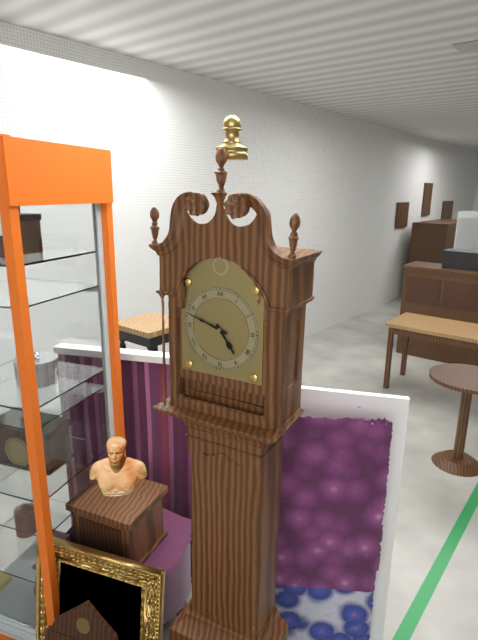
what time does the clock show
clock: 4:48
